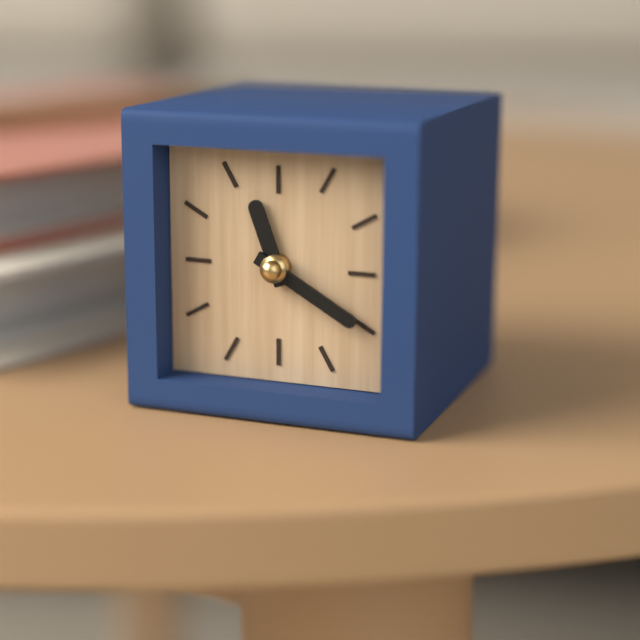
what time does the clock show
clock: 11:20
